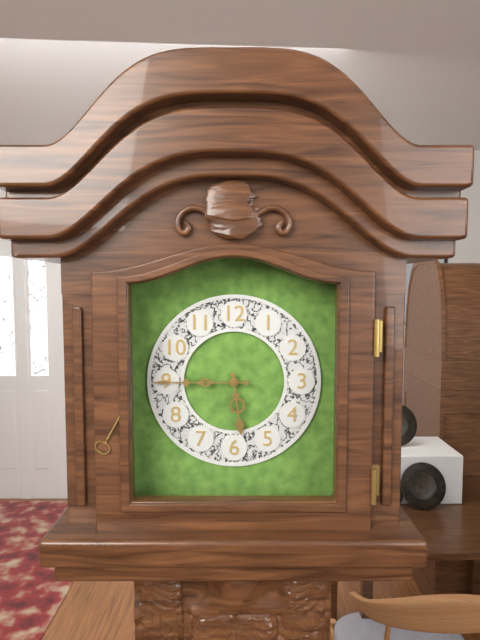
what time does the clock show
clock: 5:45
